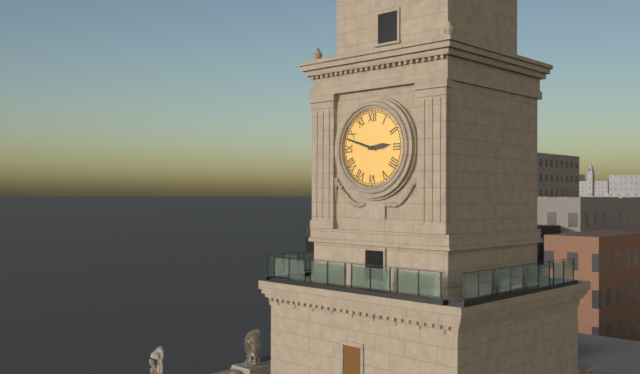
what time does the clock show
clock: 2:48
